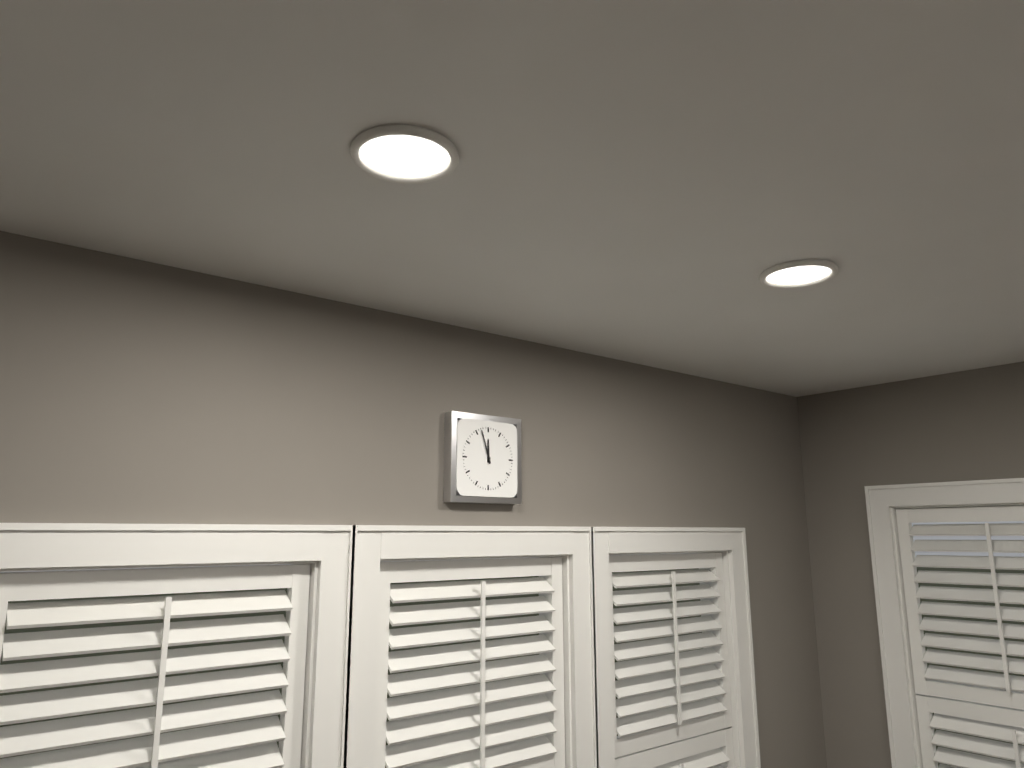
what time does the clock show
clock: 11:57
